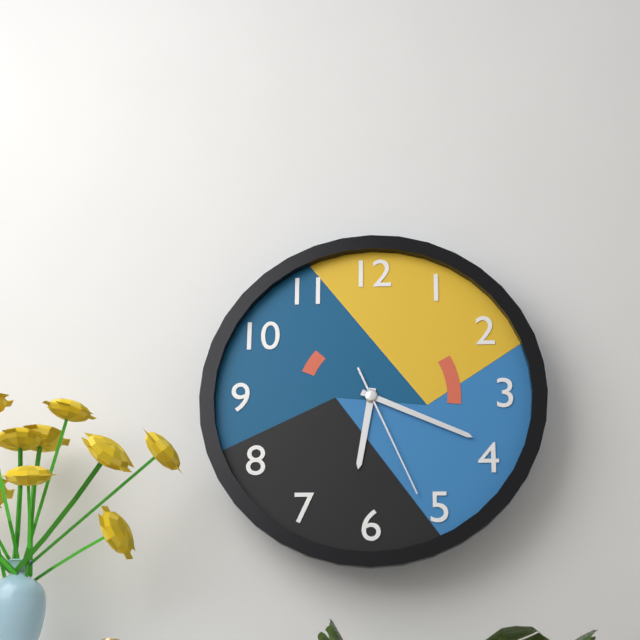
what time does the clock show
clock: 6:19:26
